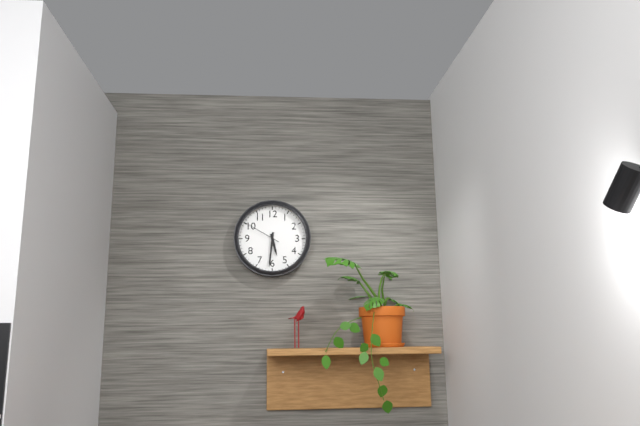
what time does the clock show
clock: 5:31
